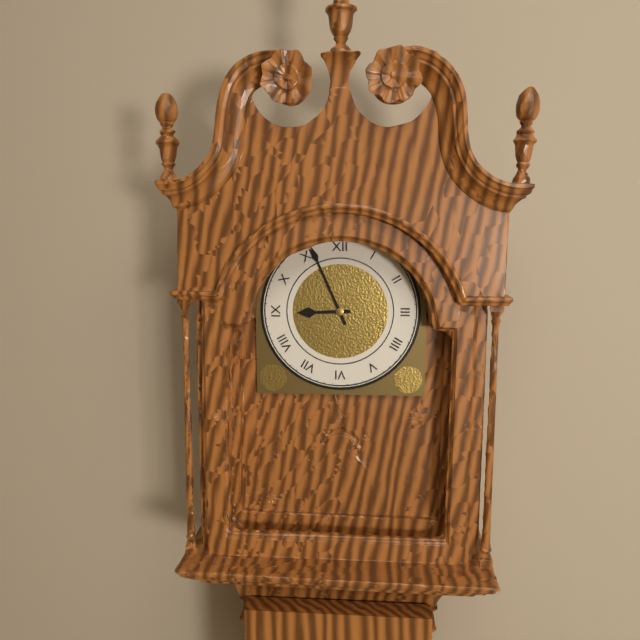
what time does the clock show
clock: 8:56
